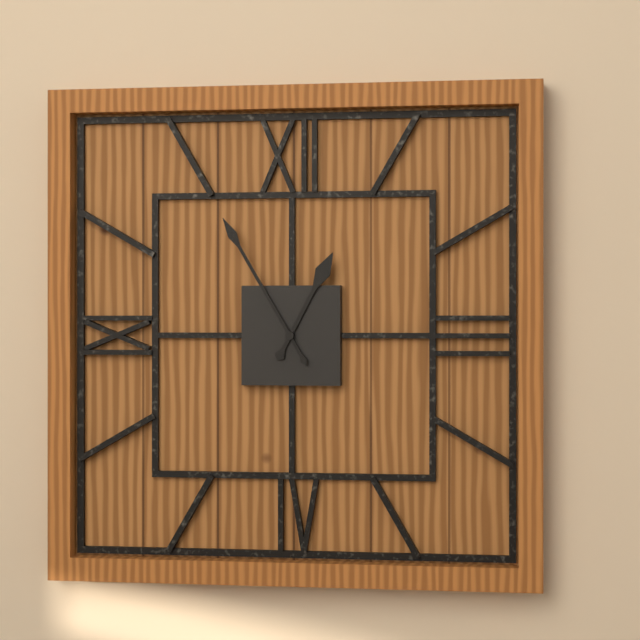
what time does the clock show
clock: 12:55
